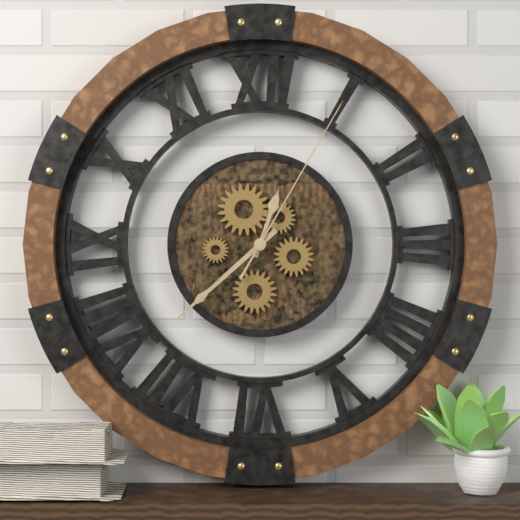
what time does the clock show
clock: 12:38:05
